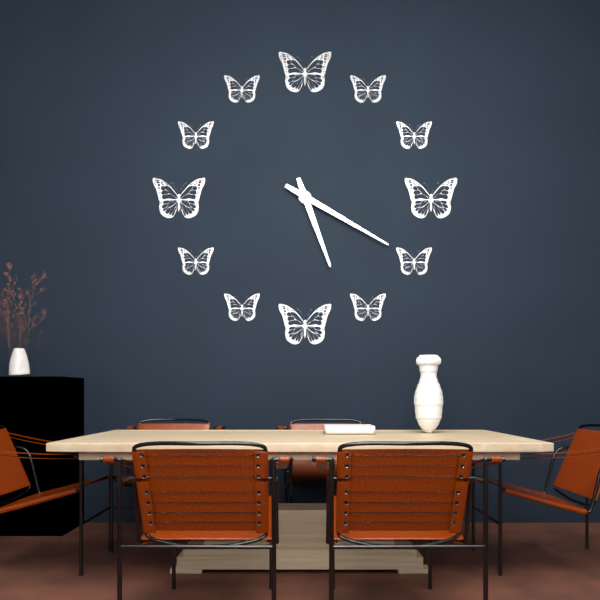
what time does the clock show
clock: 5:20
